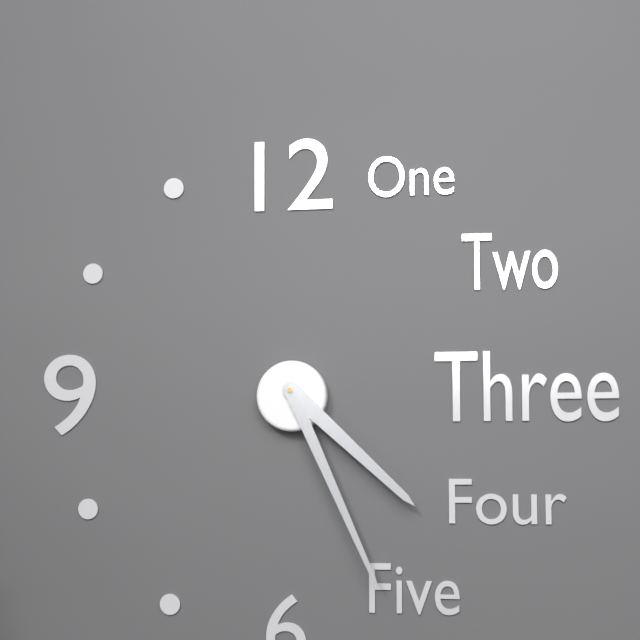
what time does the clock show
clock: 4:26
